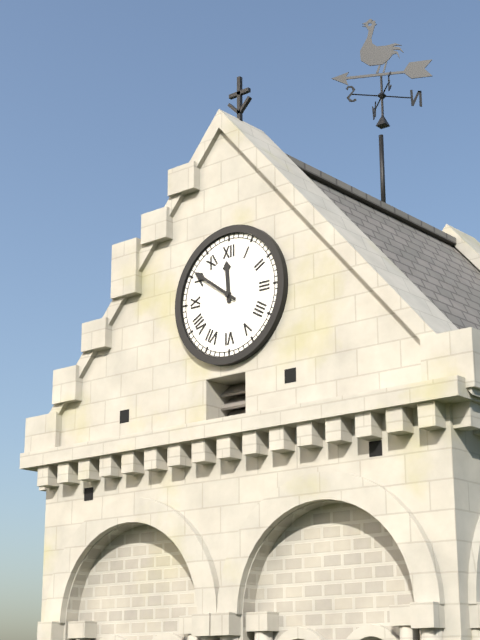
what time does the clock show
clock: 11:51
